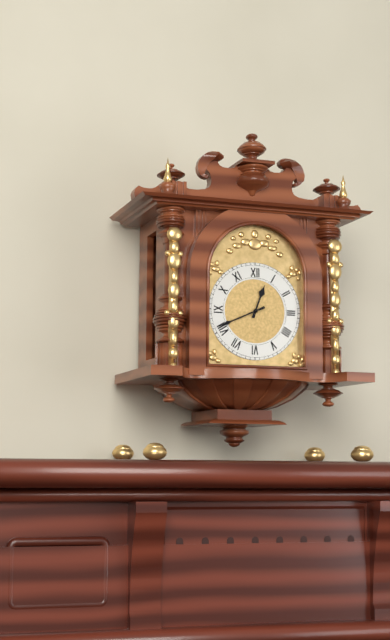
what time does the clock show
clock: 12:41
